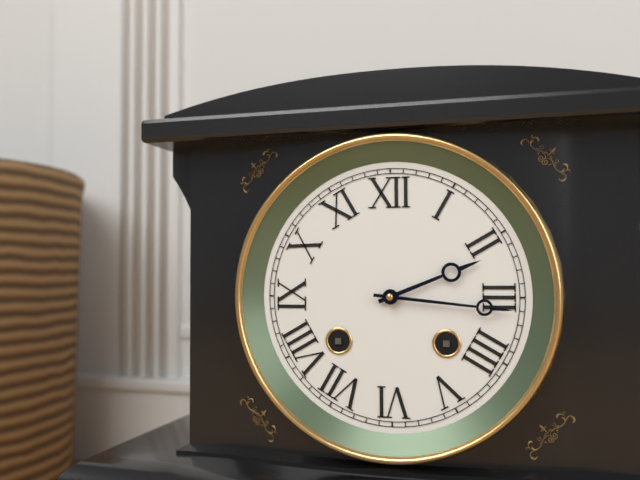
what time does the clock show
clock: 2:16
